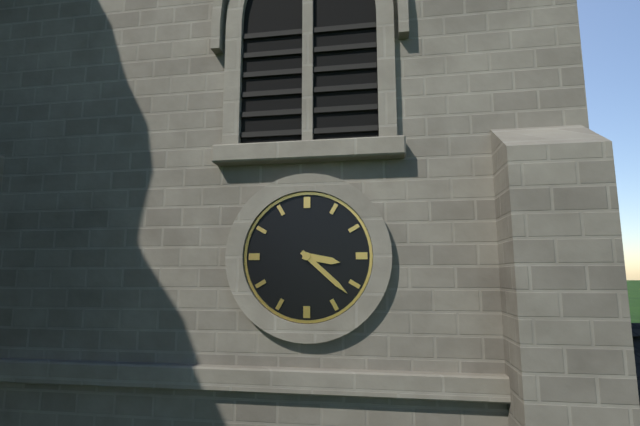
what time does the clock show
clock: 3:22
